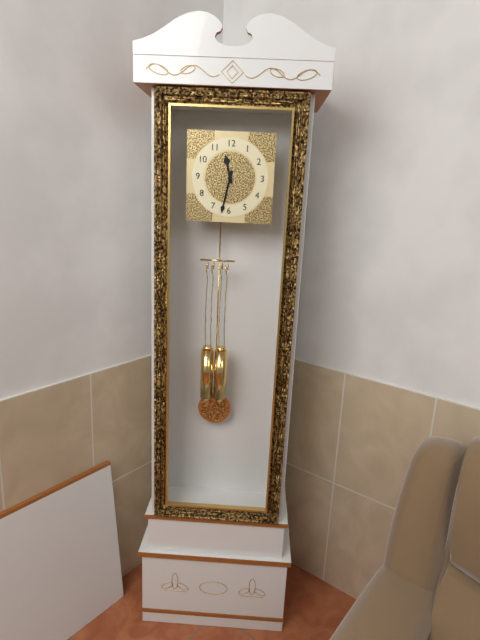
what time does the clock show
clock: 11:32
